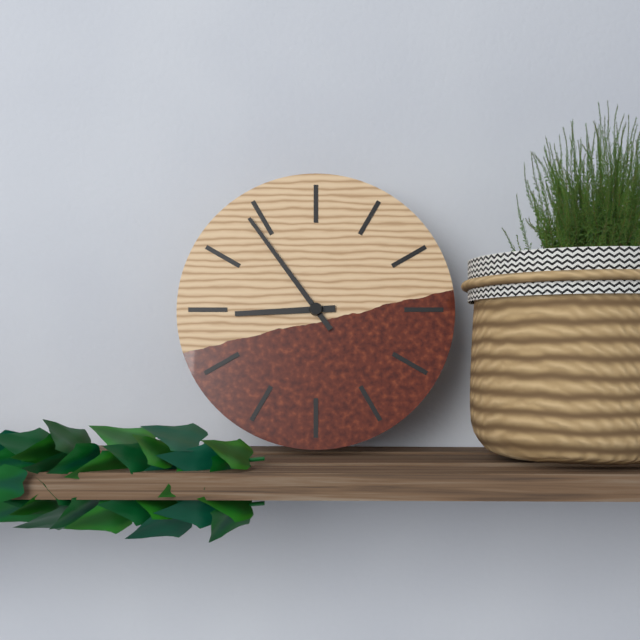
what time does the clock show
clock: 8:54
